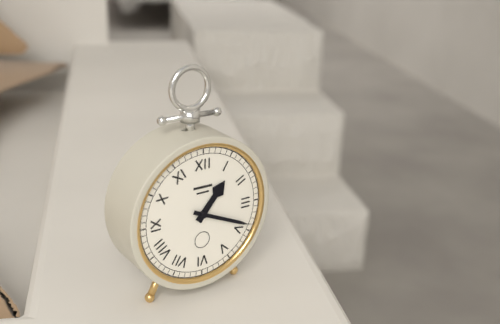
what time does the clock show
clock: 1:19
